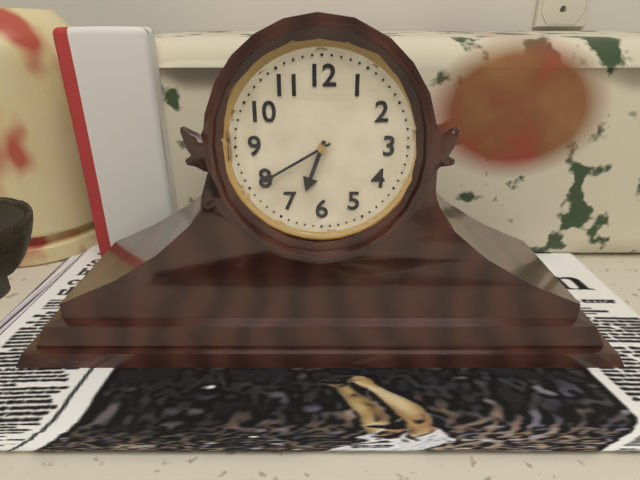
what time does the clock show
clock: 6:40
